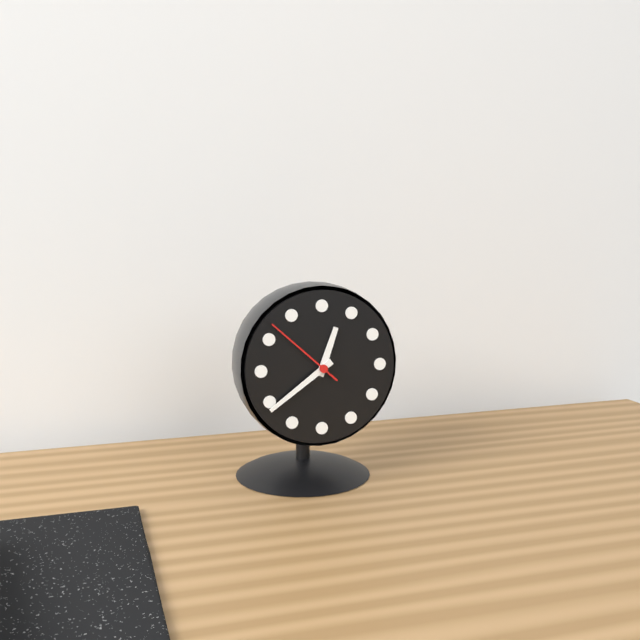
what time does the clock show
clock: 12:39:52
